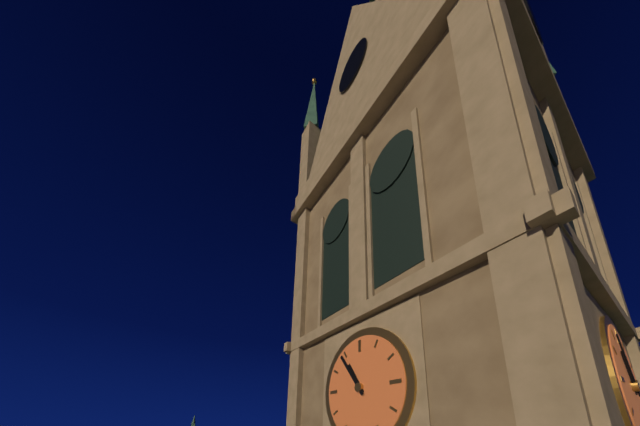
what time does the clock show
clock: 10:54
